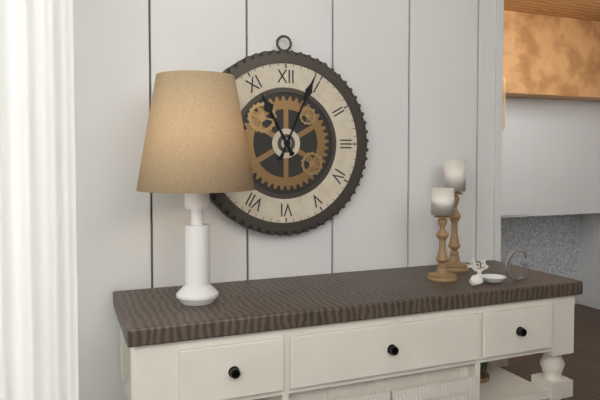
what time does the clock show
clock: 11:04
